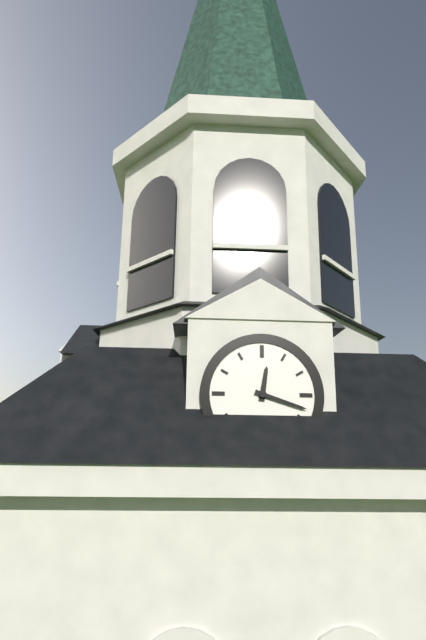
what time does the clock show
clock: 12:18
